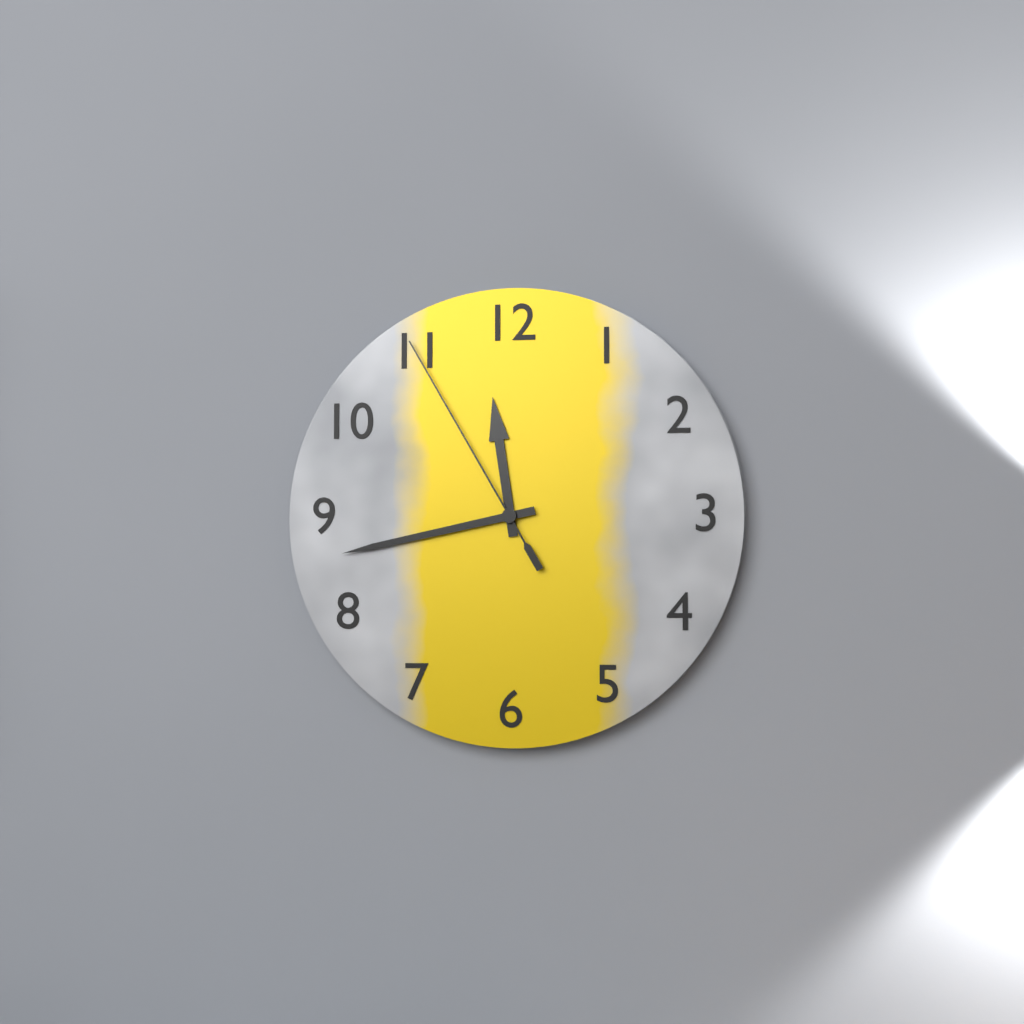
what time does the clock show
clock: 11:43:55
